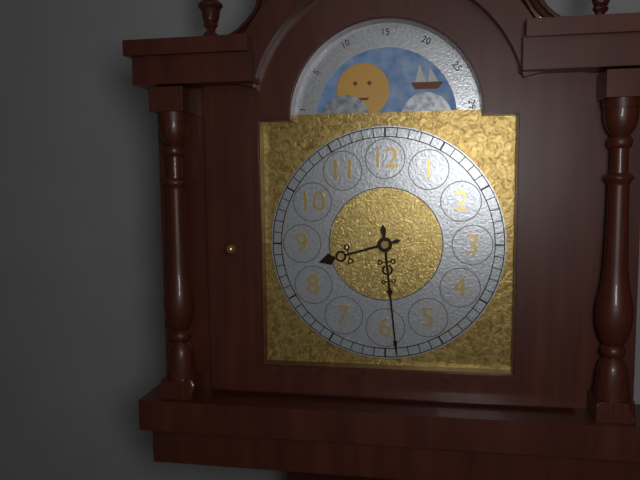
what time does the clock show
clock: 8:29
